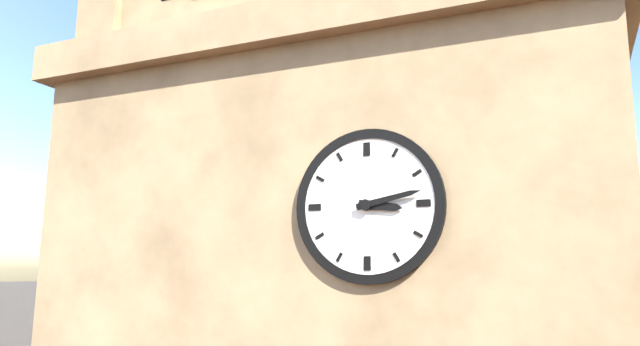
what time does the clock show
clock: 3:13
